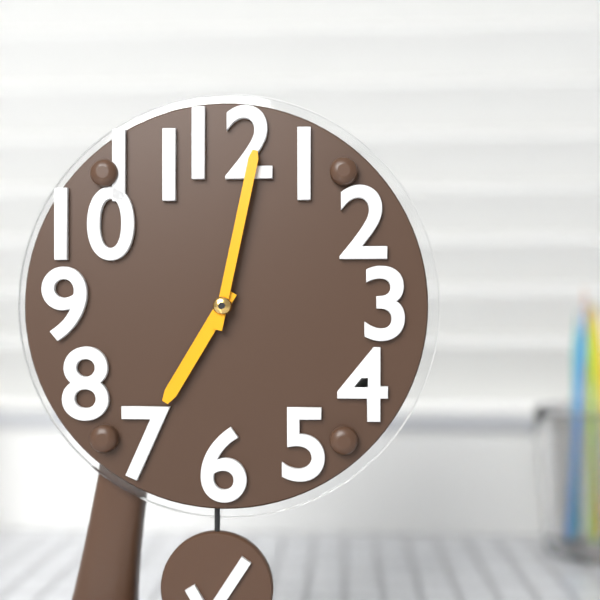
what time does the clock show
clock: 7:02
